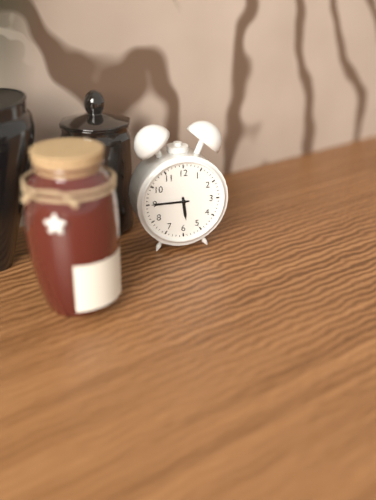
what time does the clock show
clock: 5:45
